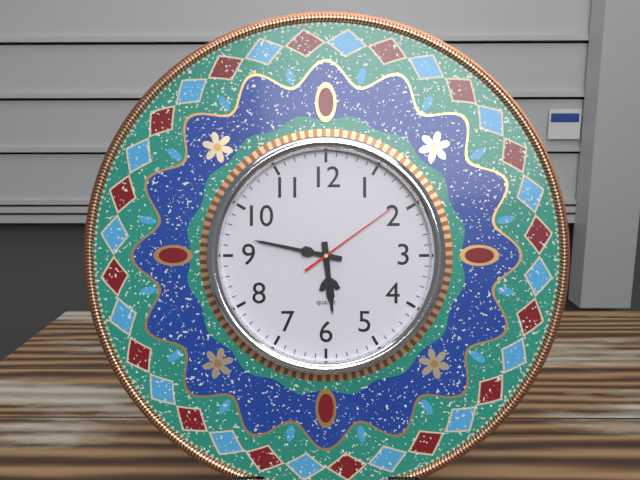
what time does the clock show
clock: 5:47:09
